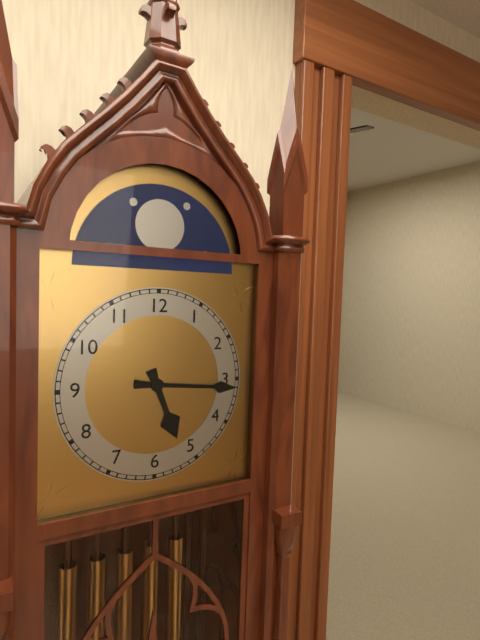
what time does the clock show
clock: 5:16
